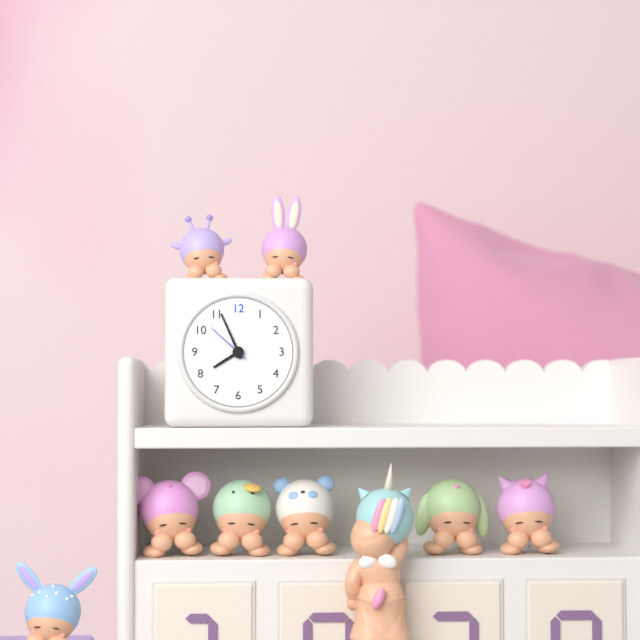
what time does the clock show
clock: 7:56
